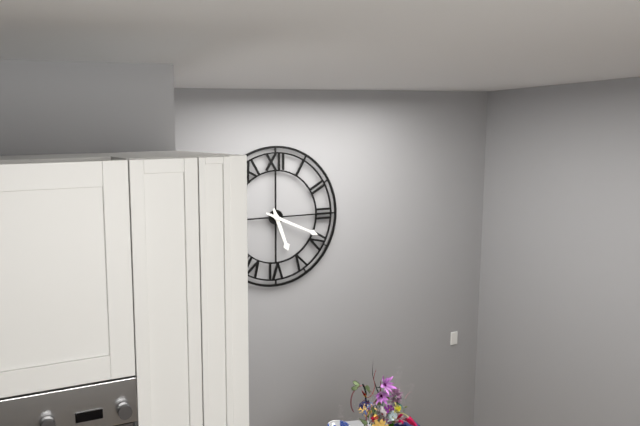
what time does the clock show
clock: 5:19
